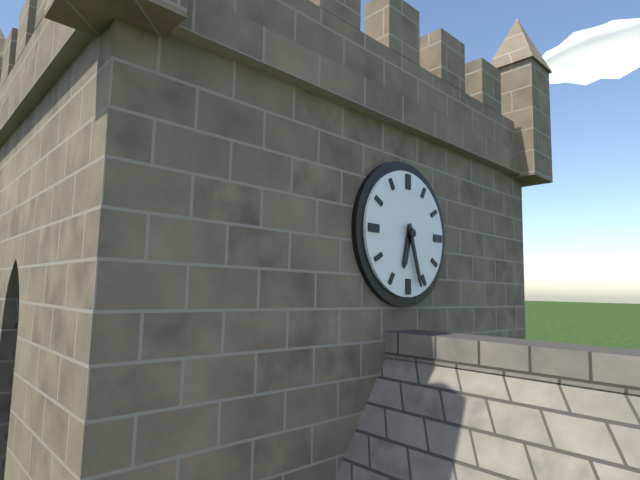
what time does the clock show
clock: 6:27
